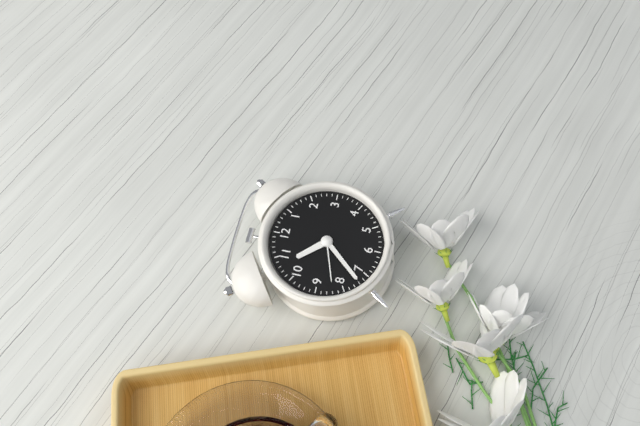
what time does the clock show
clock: 10:37:42
